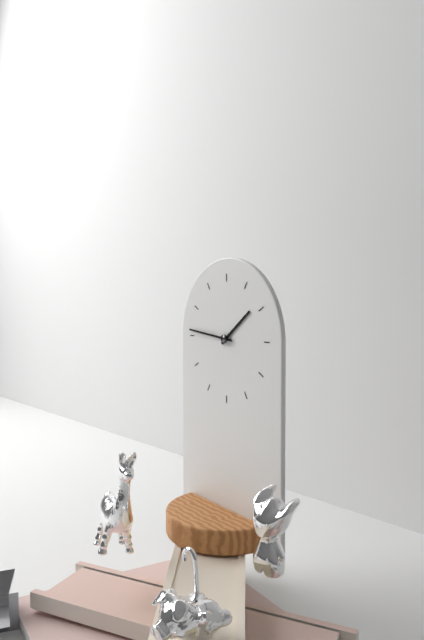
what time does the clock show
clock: 1:46
